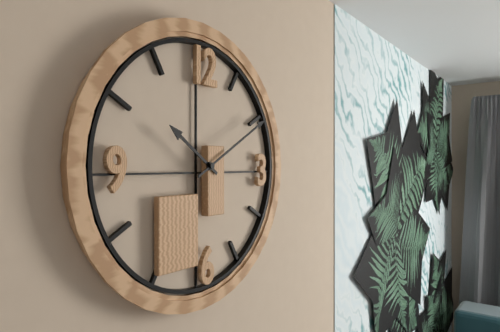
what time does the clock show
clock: 10:10
